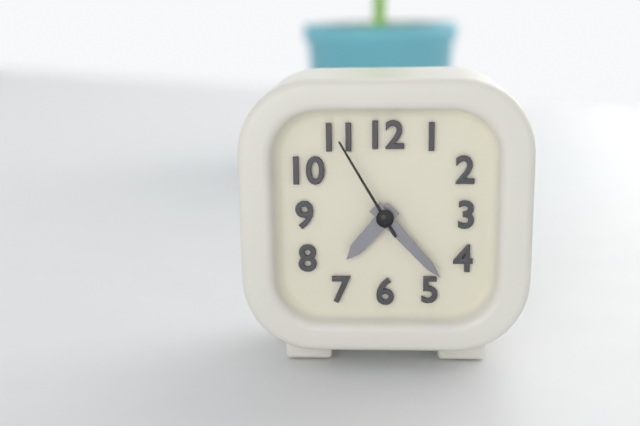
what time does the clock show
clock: 7:23:55
